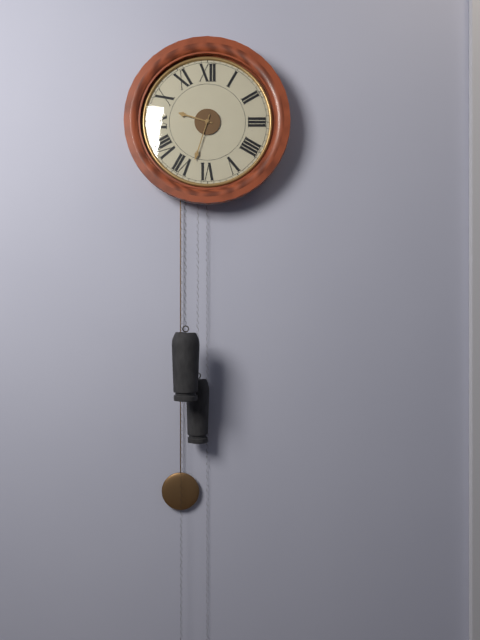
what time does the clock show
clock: 9:33
